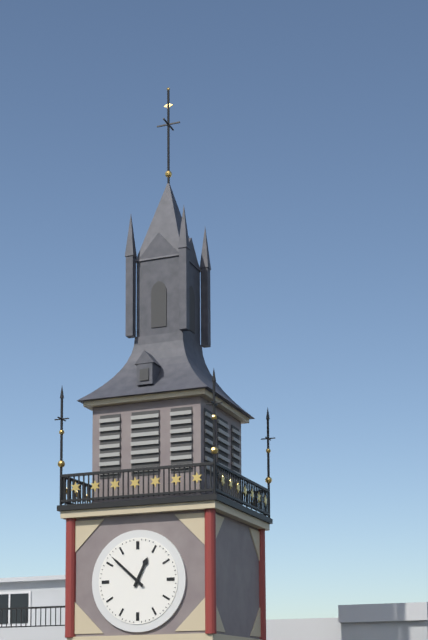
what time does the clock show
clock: 12:52
